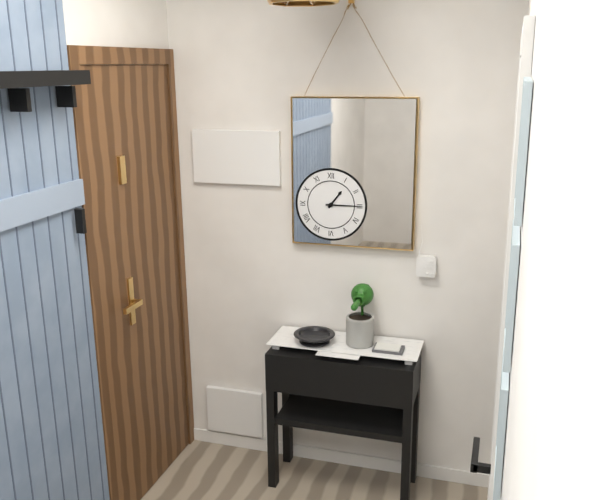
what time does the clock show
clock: 1:15
